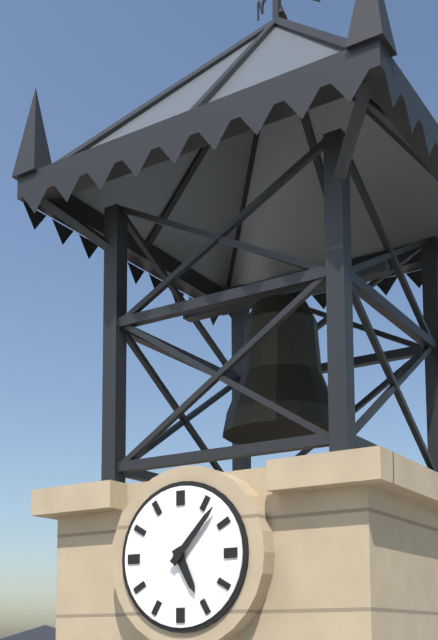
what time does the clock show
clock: 5:07
